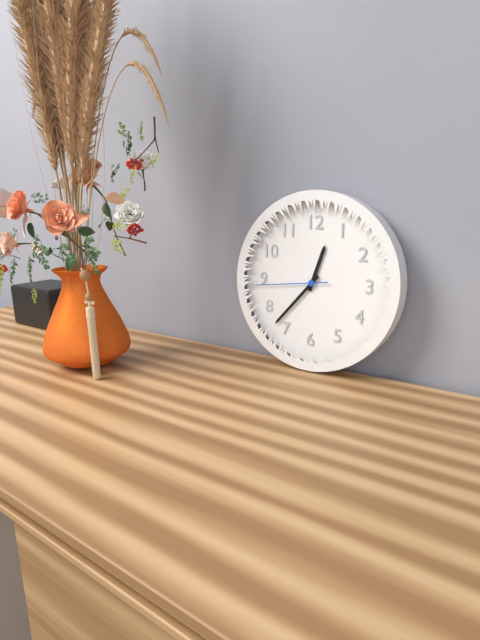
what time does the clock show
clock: 12:37:44
